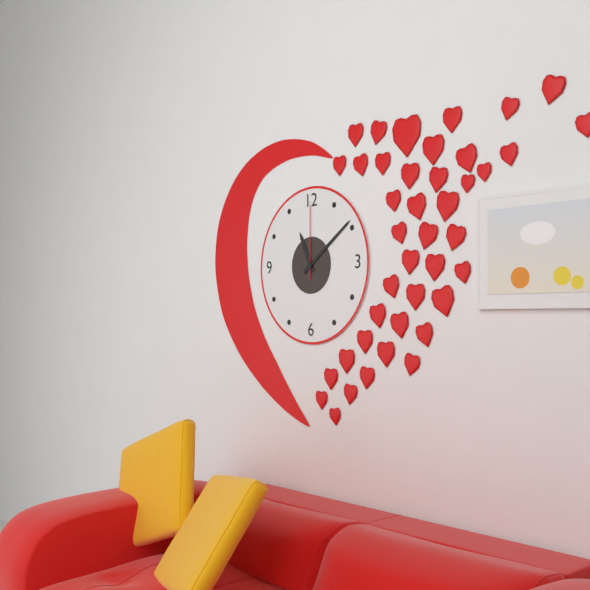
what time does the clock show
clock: 11:09:00
